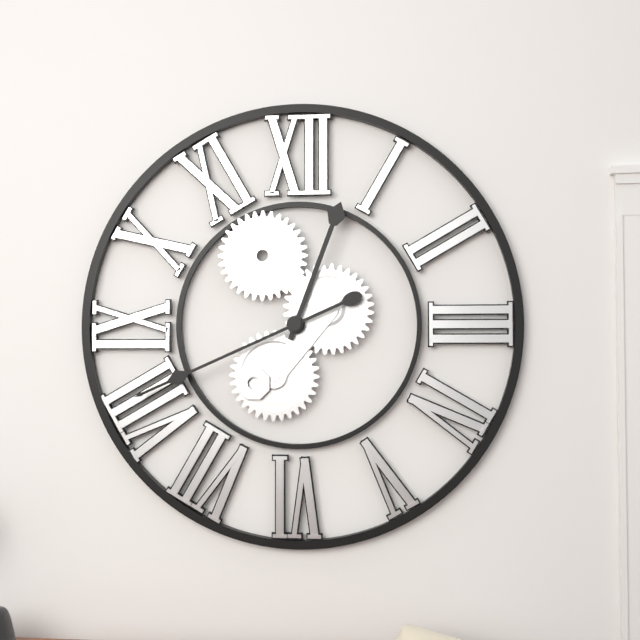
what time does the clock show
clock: 12:41
